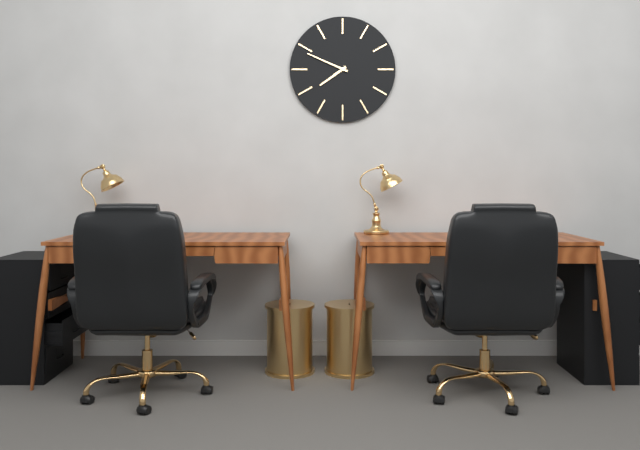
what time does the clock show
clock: 7:49
